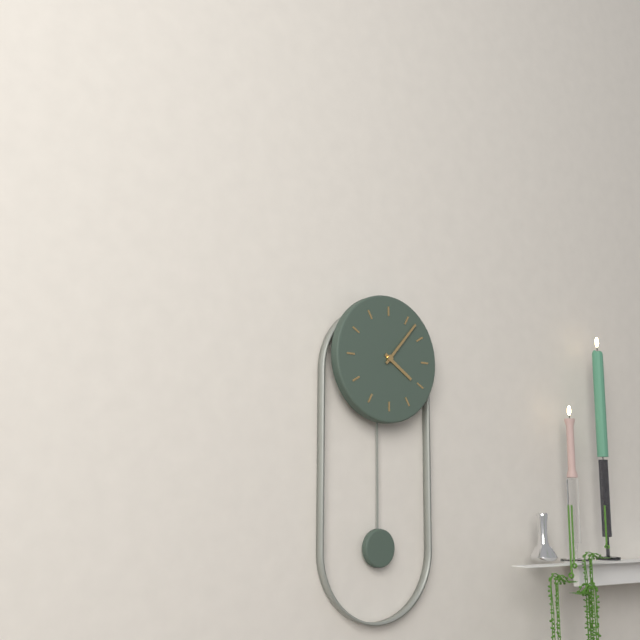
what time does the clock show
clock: 4:07
